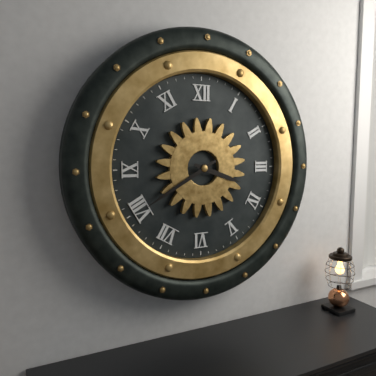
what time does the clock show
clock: 3:40
